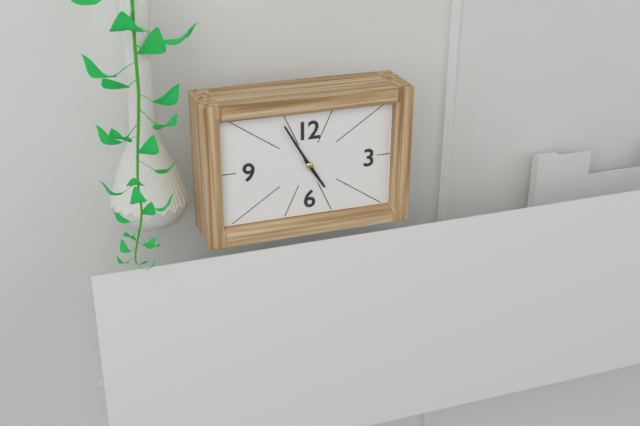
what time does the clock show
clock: 4:55
